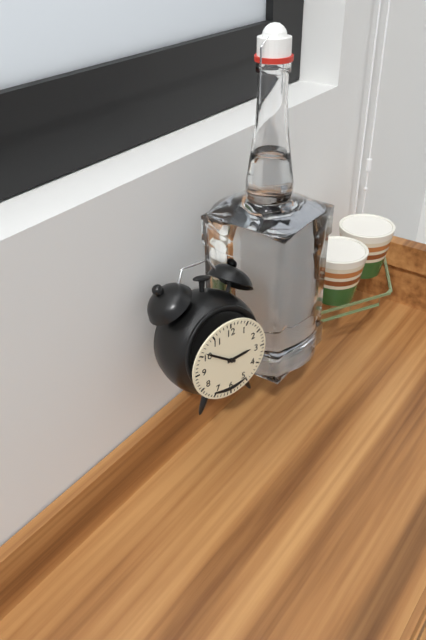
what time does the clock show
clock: 2:51
